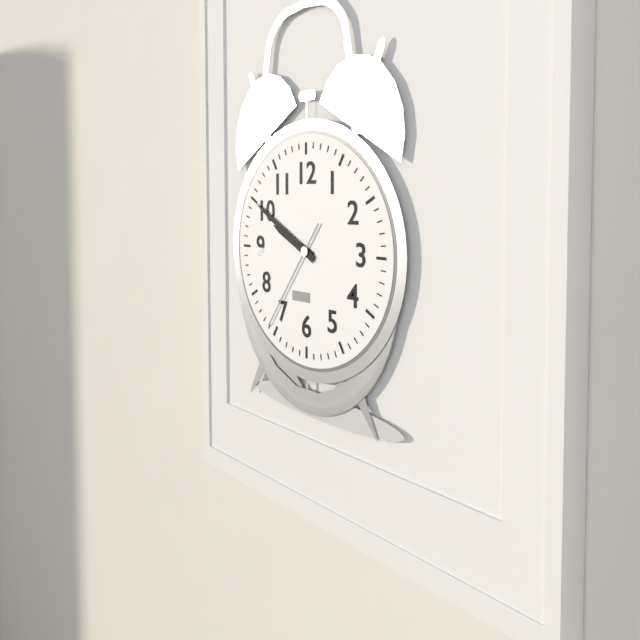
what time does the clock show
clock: 9:50:36
